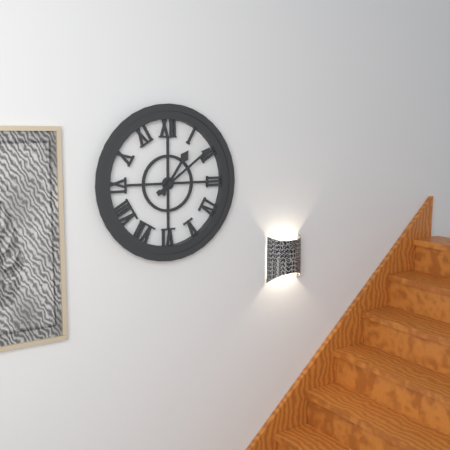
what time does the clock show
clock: 1:09
